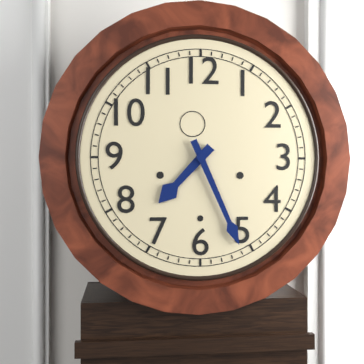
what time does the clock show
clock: 7:26
